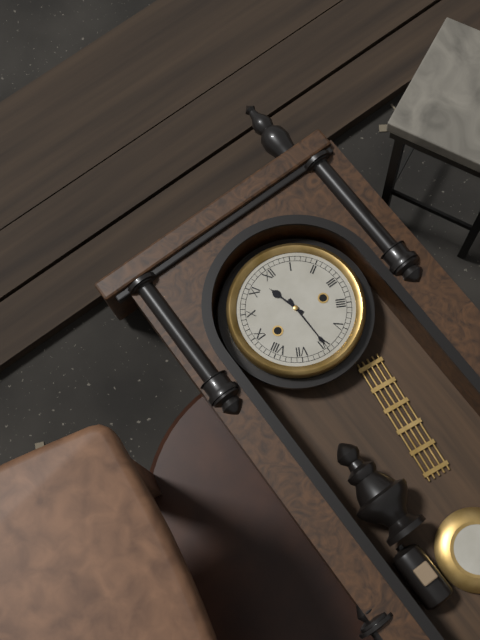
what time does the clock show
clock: 11:30
